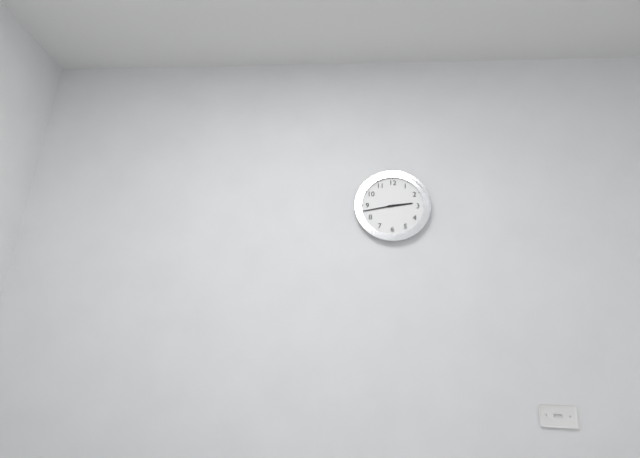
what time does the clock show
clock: 2:43
